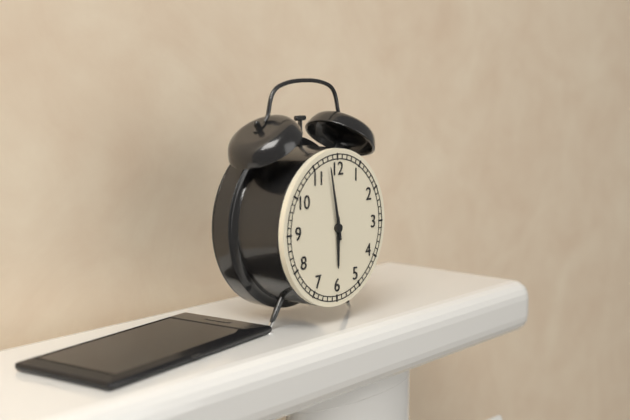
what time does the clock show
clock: 5:58
